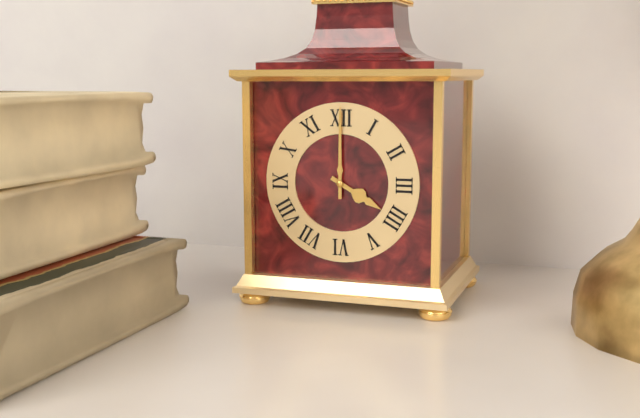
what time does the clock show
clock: 4:00
